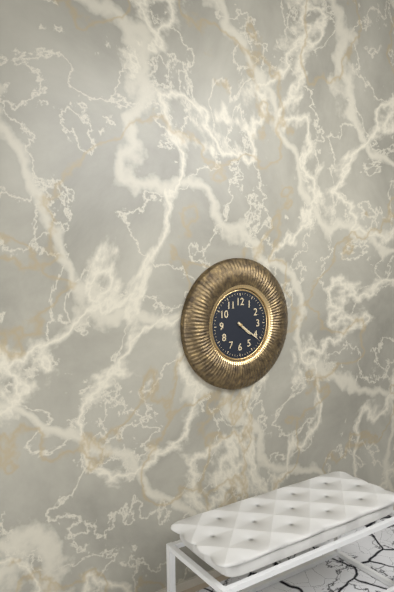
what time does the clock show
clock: 4:21
